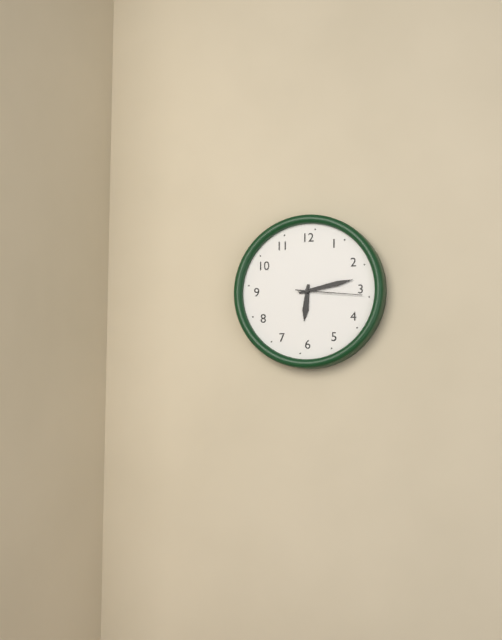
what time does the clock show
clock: 6:13:16
